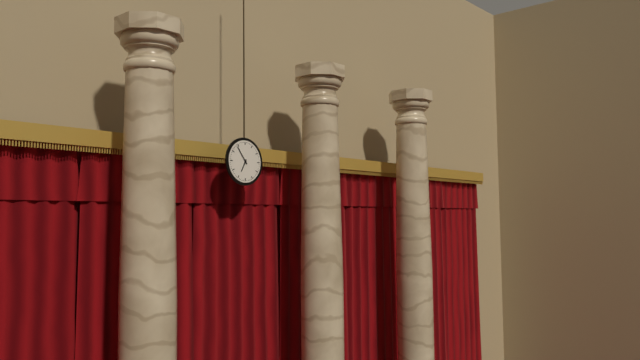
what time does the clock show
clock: 6:54
